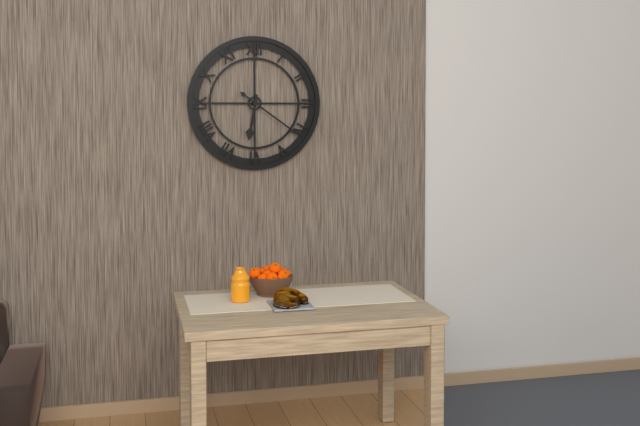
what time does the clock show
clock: 6:21
